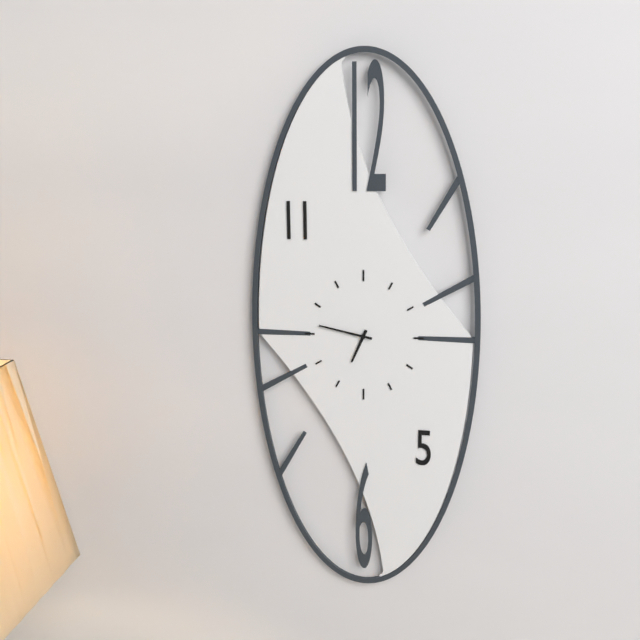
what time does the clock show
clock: 6:47
